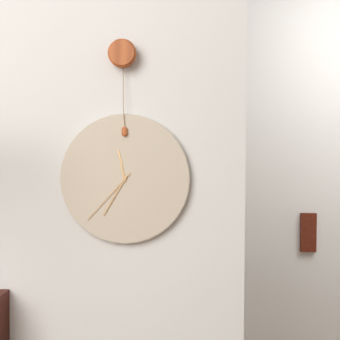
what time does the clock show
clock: 11:35:37
